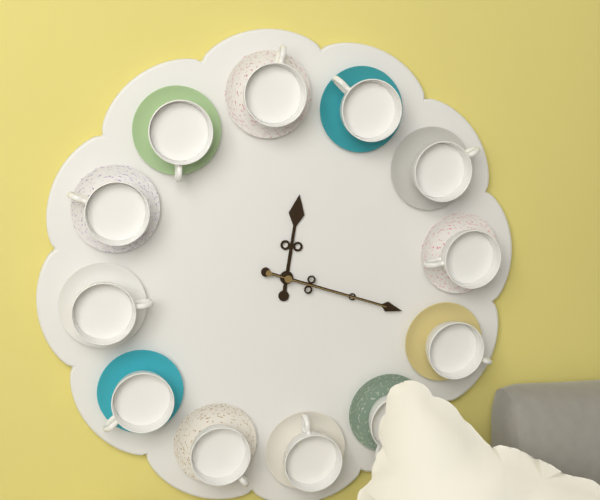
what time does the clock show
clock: 12:18:18
